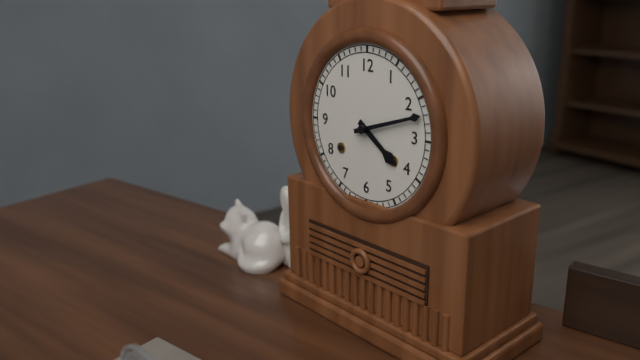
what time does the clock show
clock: 4:12
